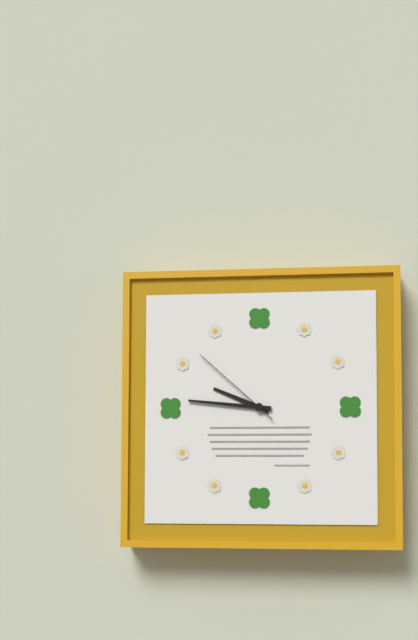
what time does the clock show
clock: 9:46:52
